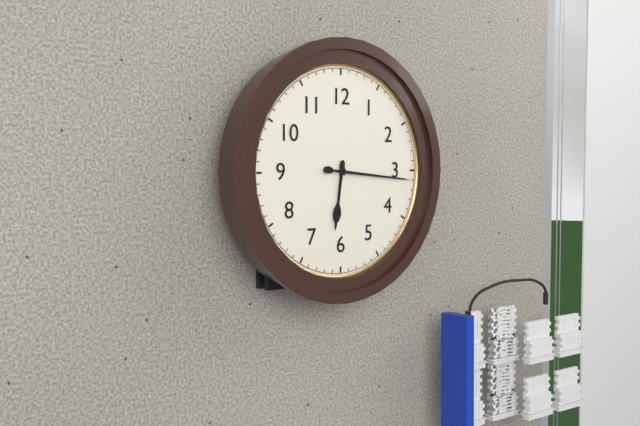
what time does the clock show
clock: 6:16
